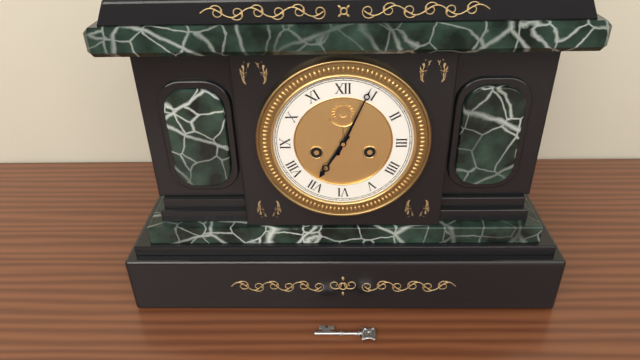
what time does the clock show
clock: 7:04
